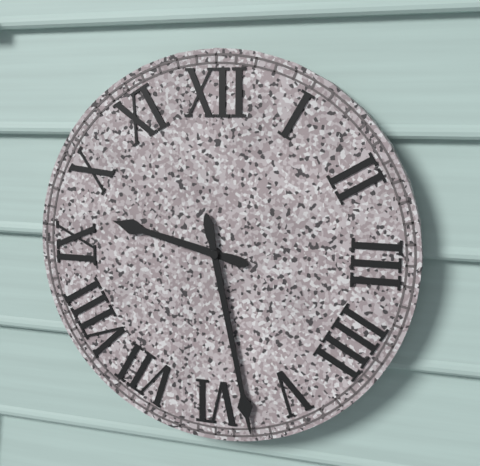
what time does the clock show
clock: 9:28
